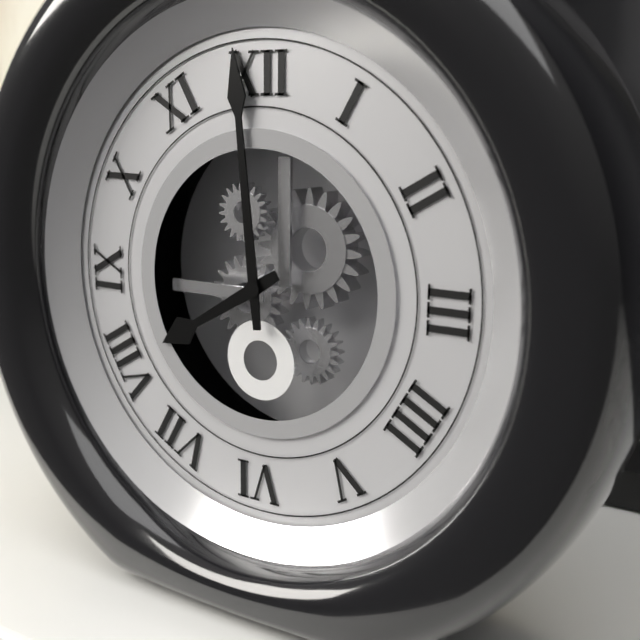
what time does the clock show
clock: 7:59
